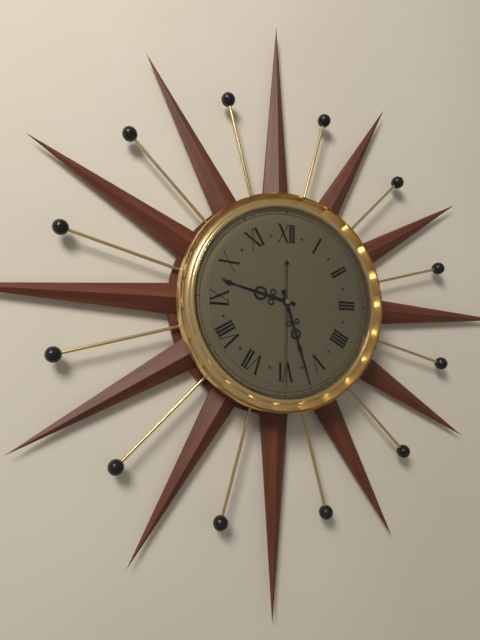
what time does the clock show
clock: 9:27:30
